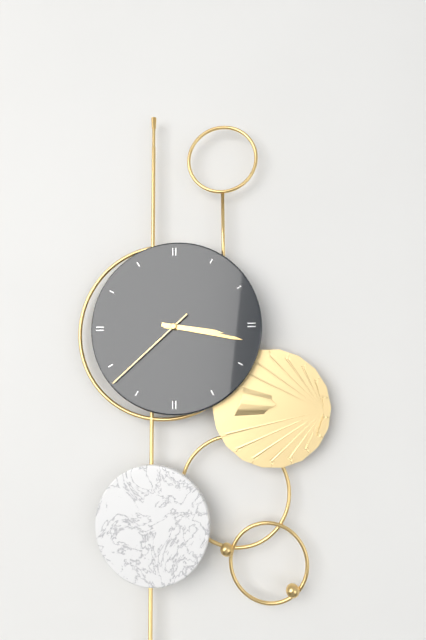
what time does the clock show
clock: 3:17:38
